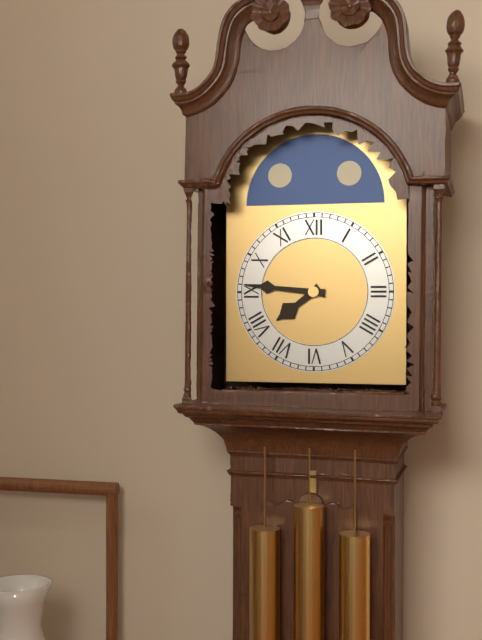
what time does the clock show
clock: 7:46
